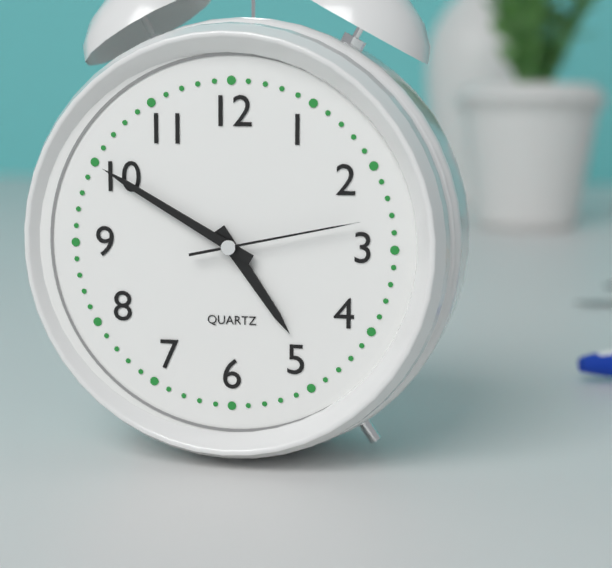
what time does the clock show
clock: 4:50:13
